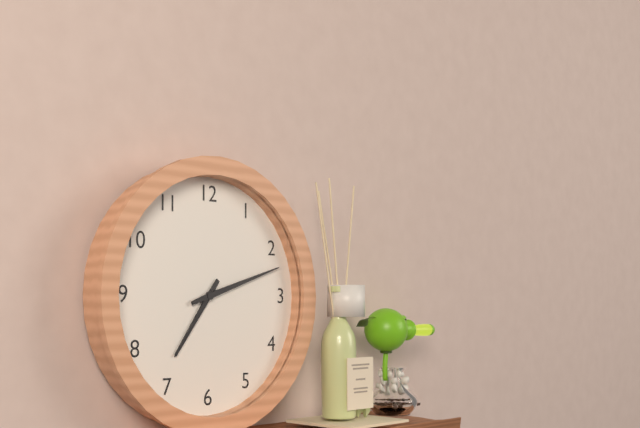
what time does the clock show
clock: 7:12
